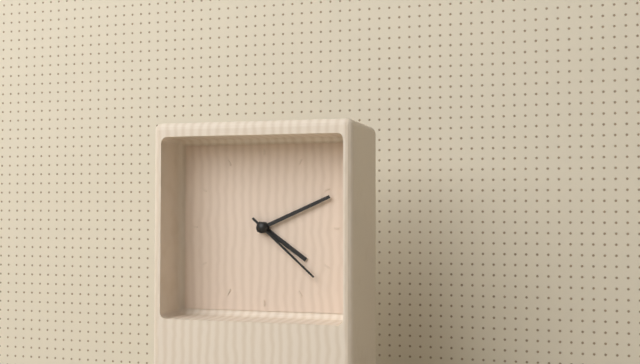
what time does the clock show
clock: 4:11:22
